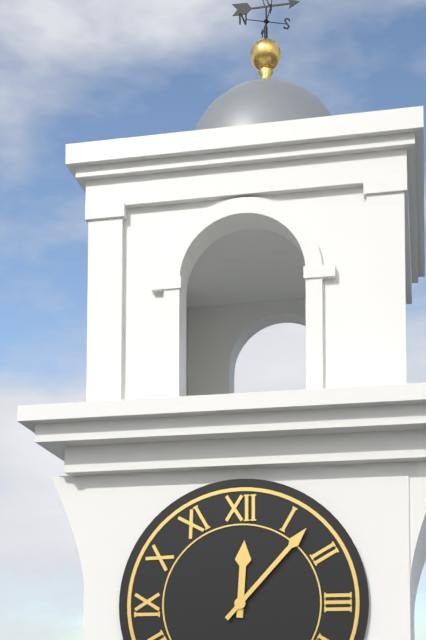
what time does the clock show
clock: 12:07
